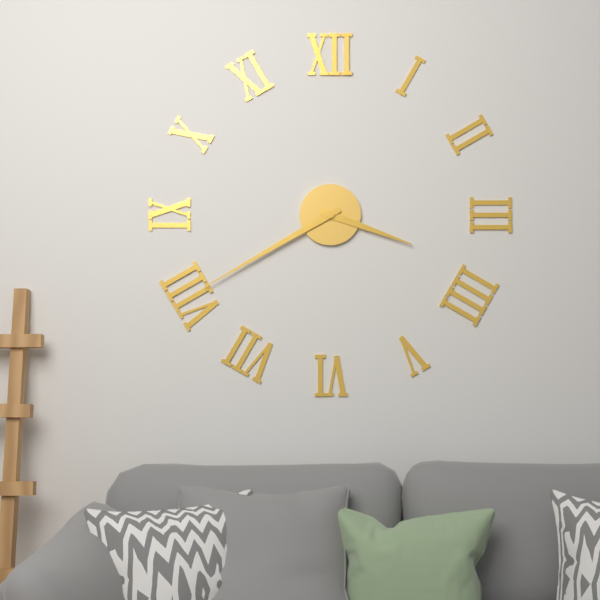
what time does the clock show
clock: 3:40
